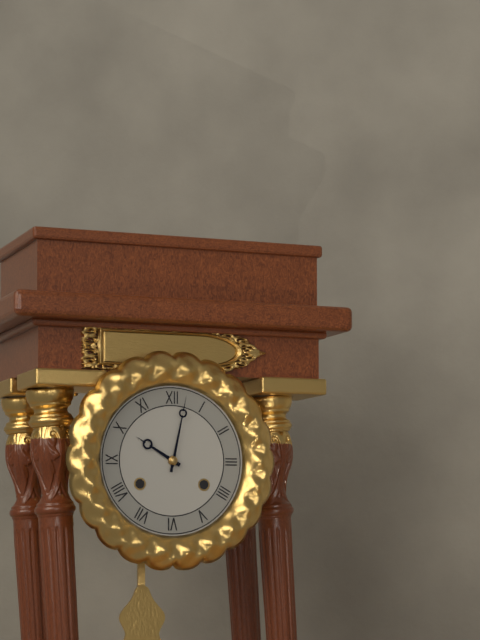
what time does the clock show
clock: 10:02
